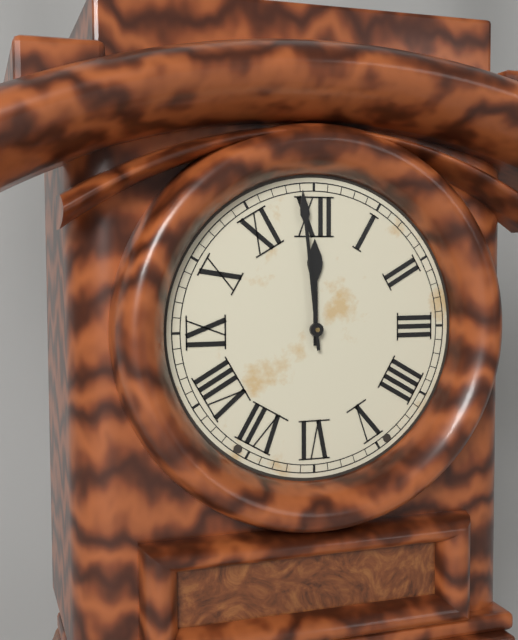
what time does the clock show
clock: 11:59
